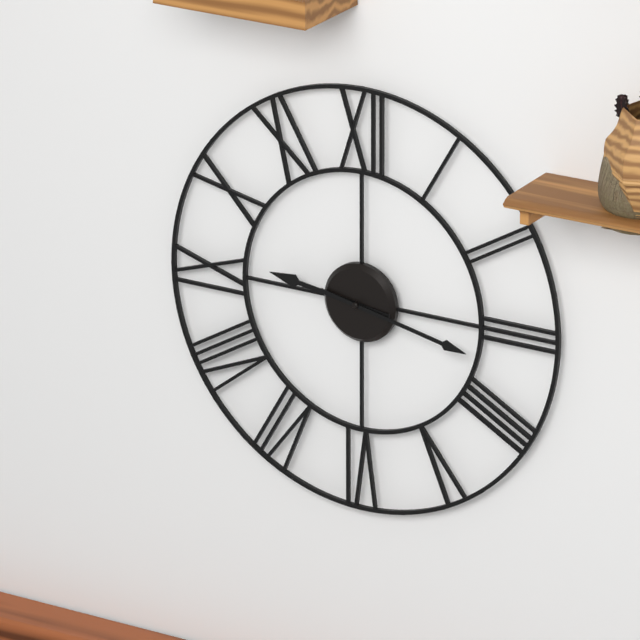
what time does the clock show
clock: 9:17
